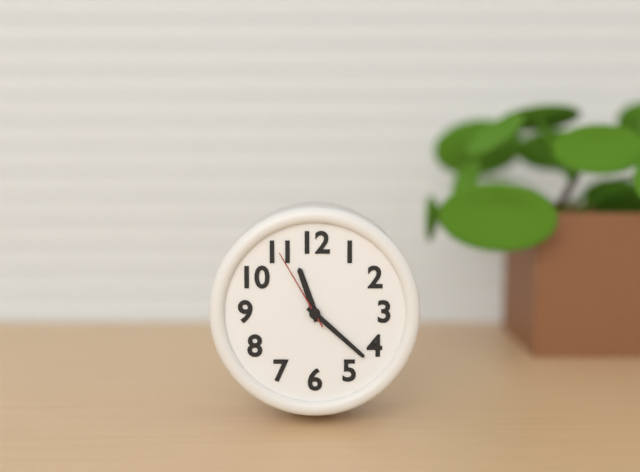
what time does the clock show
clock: 11:22:55
